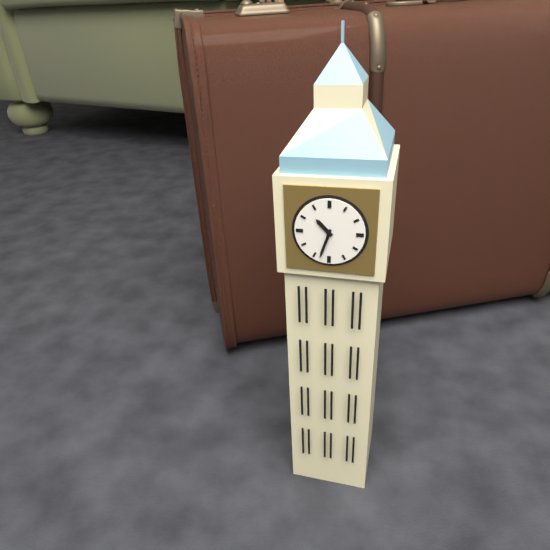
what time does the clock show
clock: 10:33
